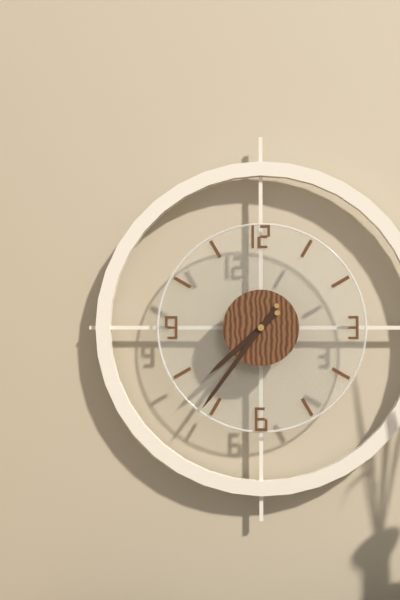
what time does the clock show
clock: 7:36
